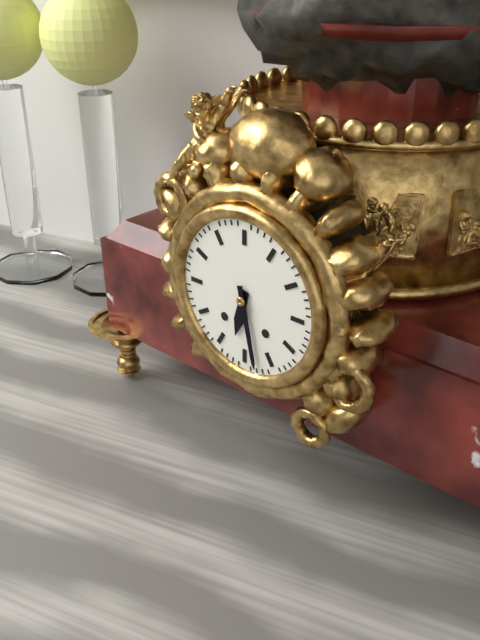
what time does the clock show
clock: 6:28
